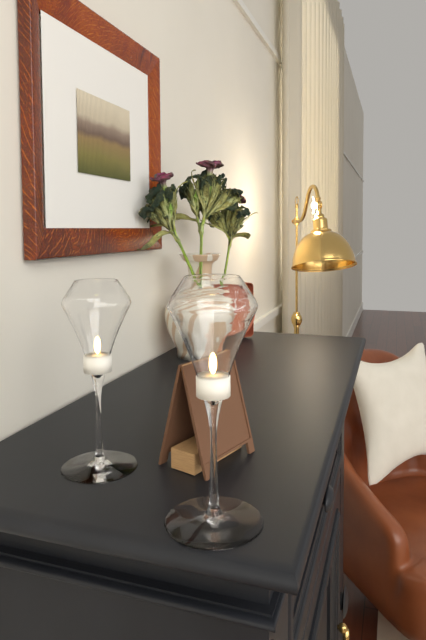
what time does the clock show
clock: 12:09
